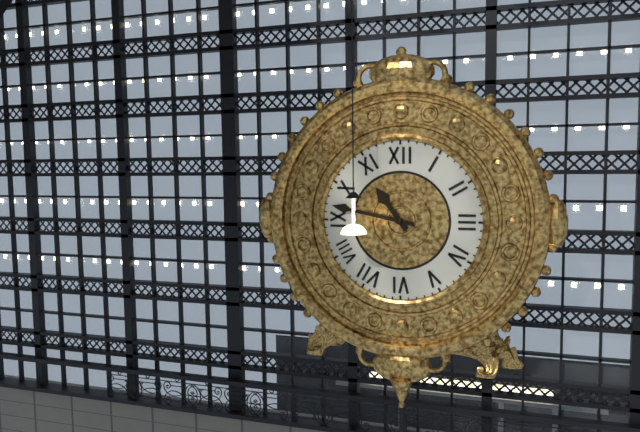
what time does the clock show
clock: 10:47
